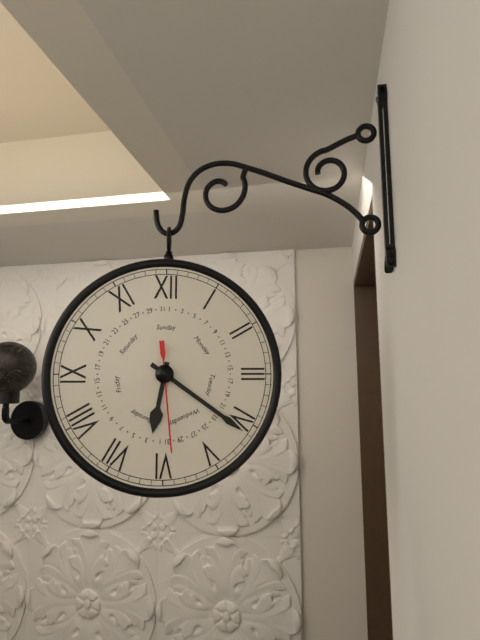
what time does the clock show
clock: 6:21:29
